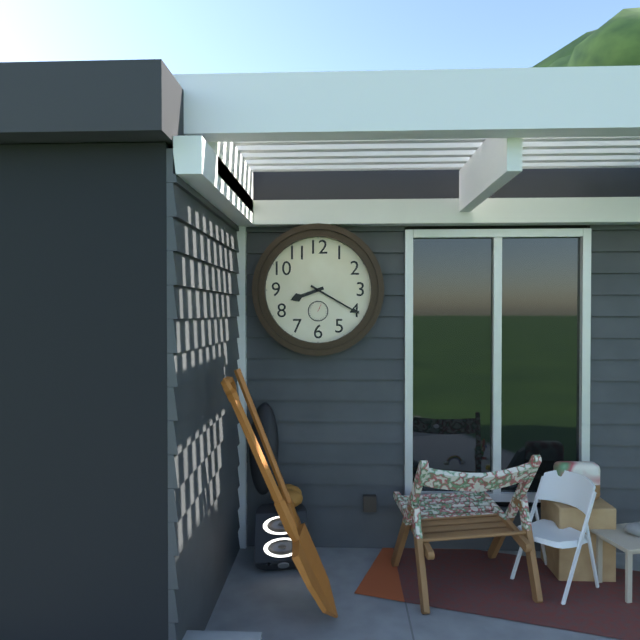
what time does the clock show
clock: 8:20
